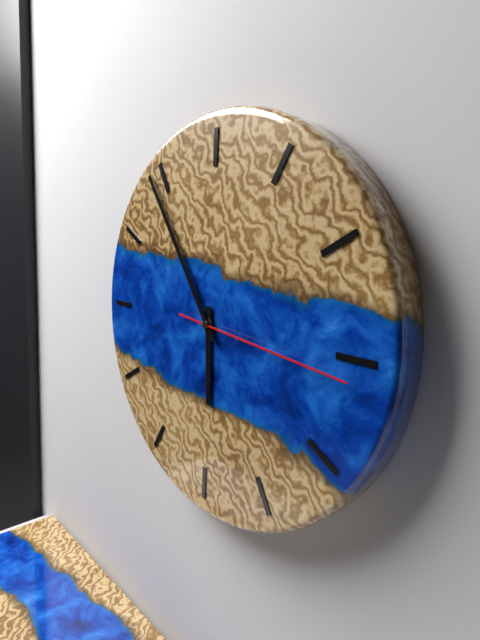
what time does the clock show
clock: 5:54:16
